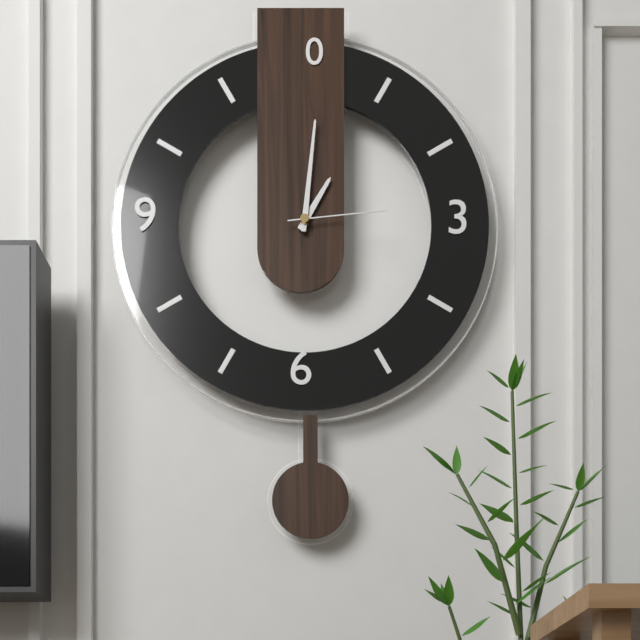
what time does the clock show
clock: 1:01:14
